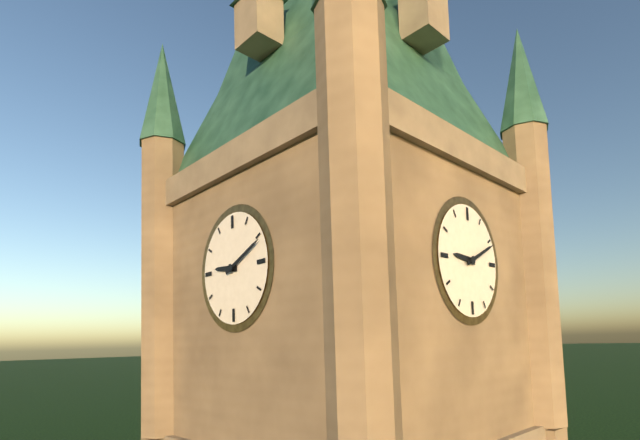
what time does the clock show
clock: 9:11
